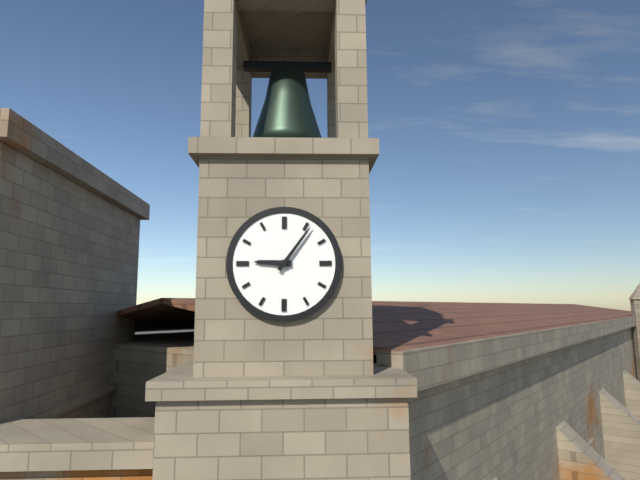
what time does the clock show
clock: 9:06
